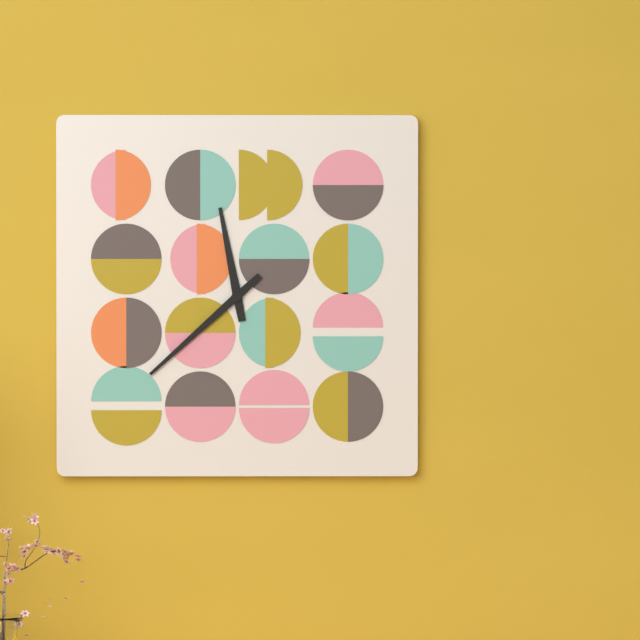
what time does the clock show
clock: 11:38
